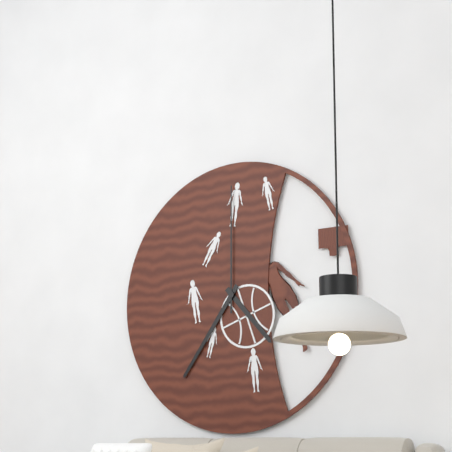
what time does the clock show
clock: 4:36:00
